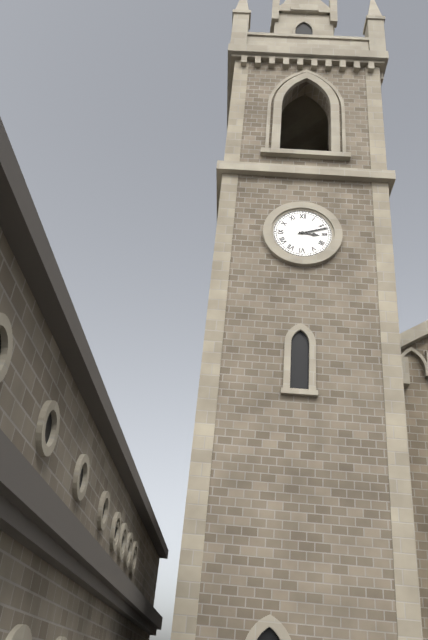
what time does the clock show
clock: 3:12
